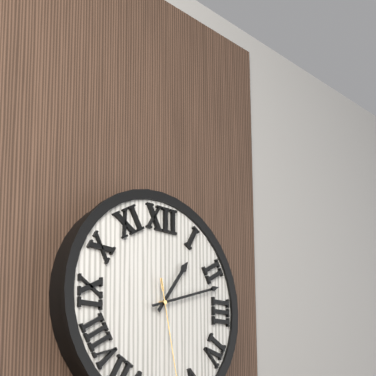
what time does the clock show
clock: 1:12
